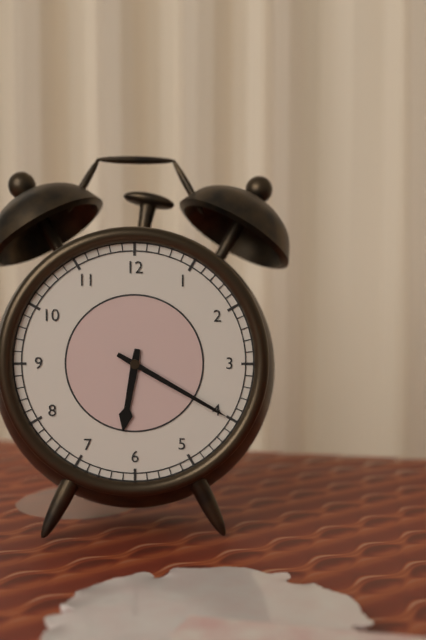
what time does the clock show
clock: 6:20
